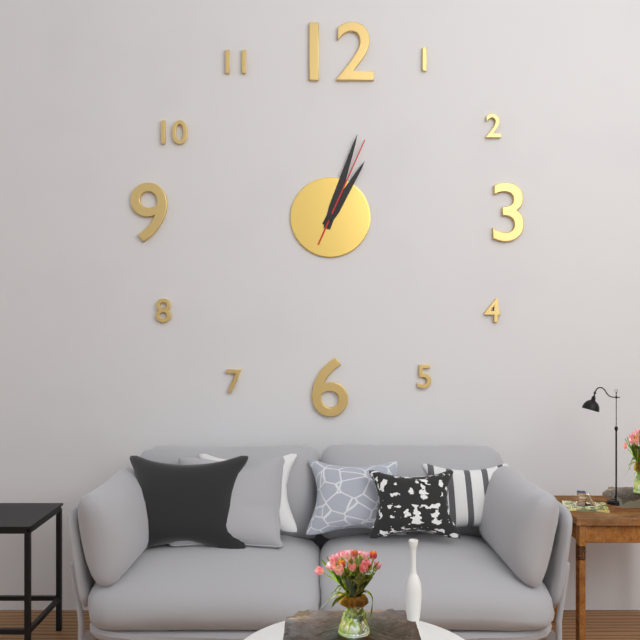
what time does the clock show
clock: 1:03:04
